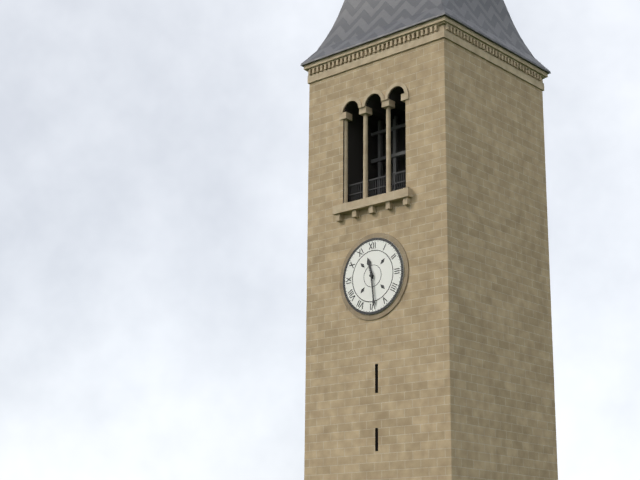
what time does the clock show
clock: 11:29
